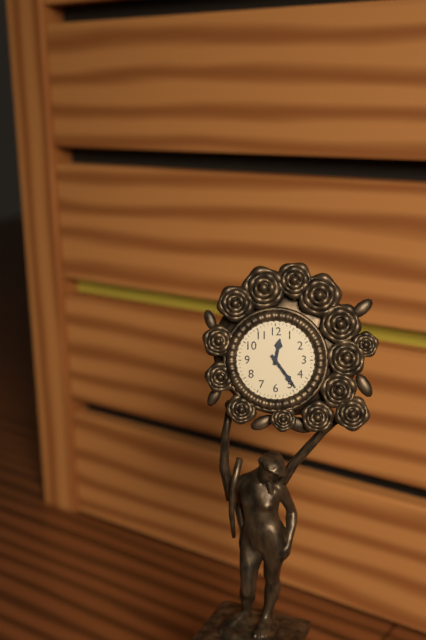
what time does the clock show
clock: 12:24
